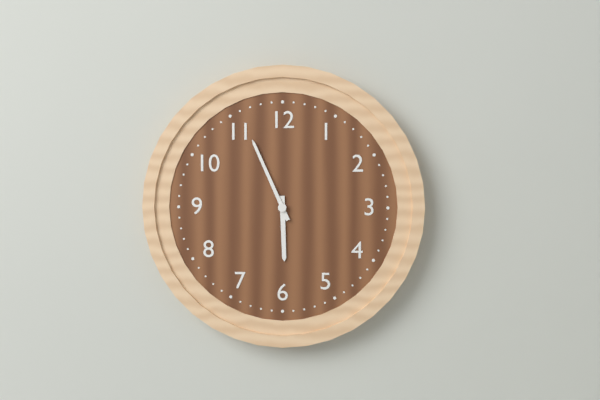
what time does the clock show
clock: 5:56
